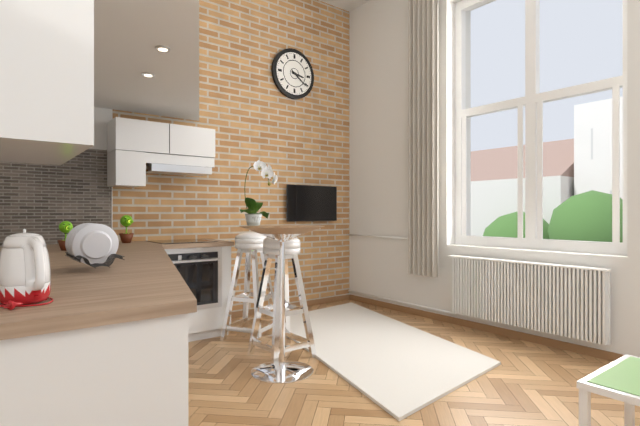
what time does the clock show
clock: 3:21
